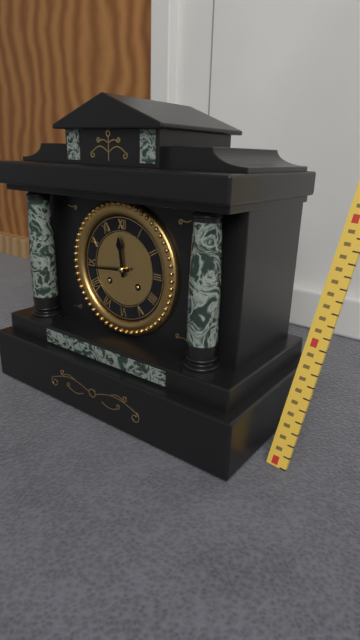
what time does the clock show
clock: 11:44
